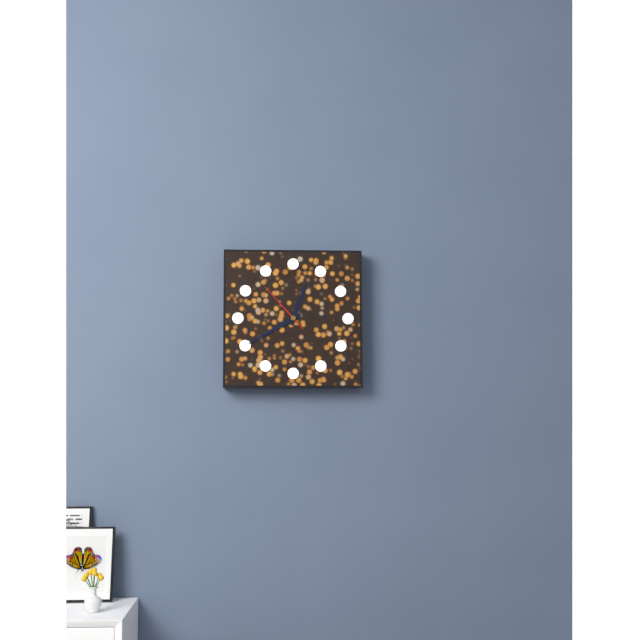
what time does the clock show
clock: 12:40:53
